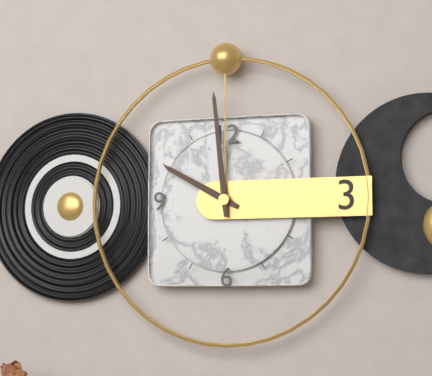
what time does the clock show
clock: 9:59
